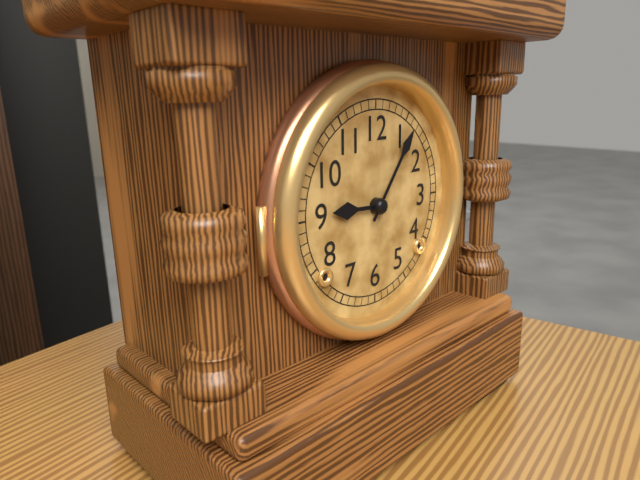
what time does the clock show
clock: 9:06
